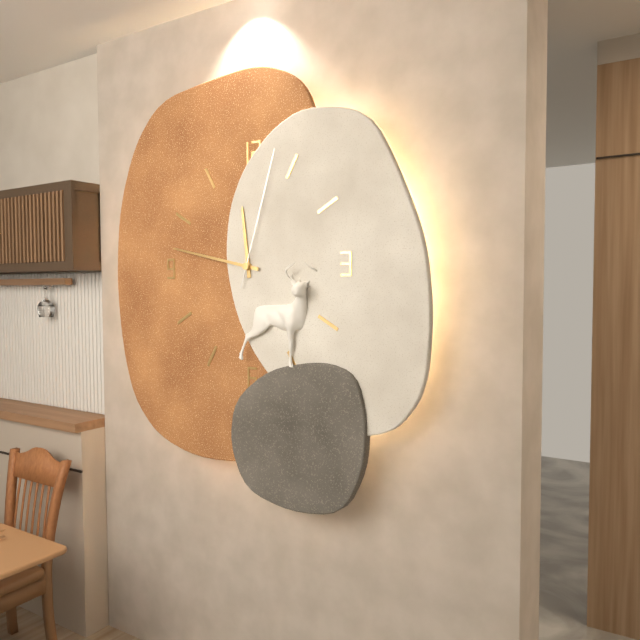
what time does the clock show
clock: 11:47:03
